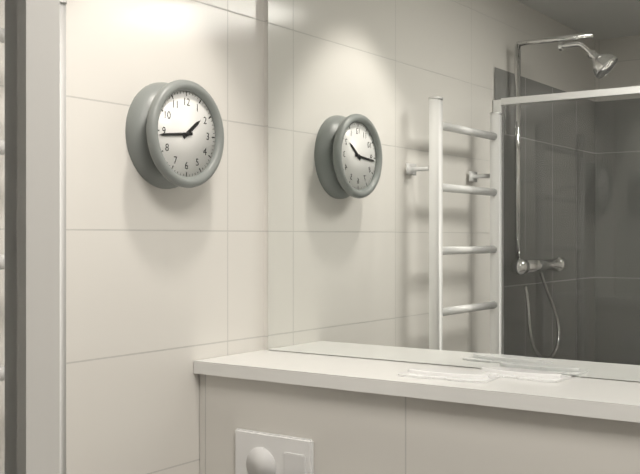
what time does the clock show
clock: 1:44
